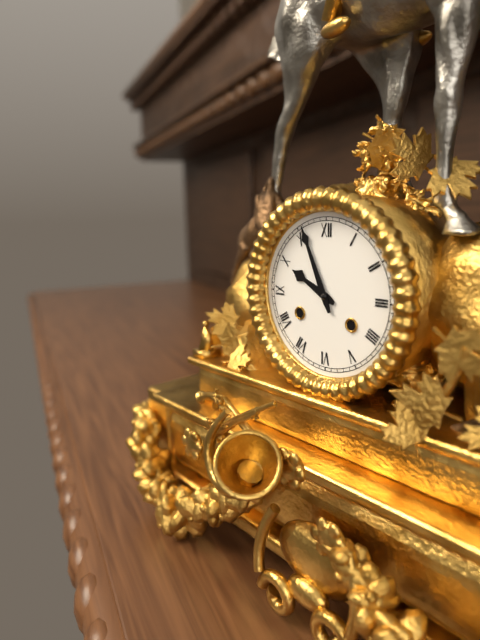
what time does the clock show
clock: 9:56
